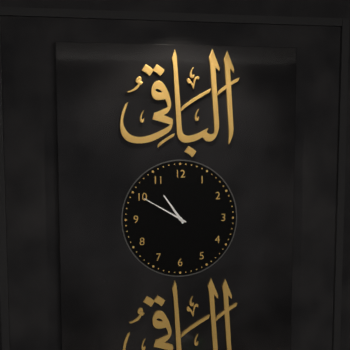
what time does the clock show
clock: 10:50
